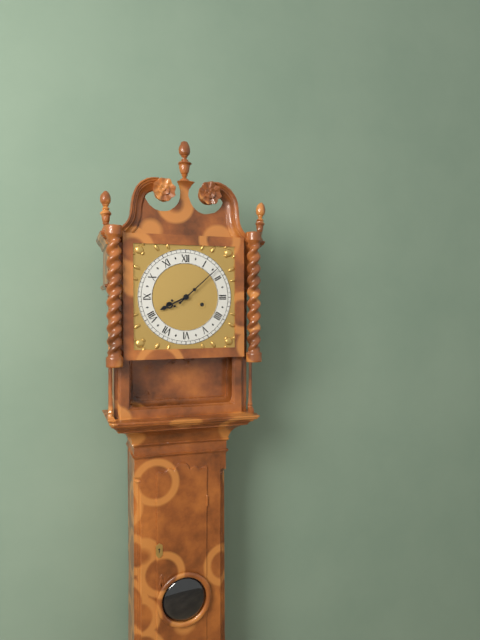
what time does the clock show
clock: 8:08
